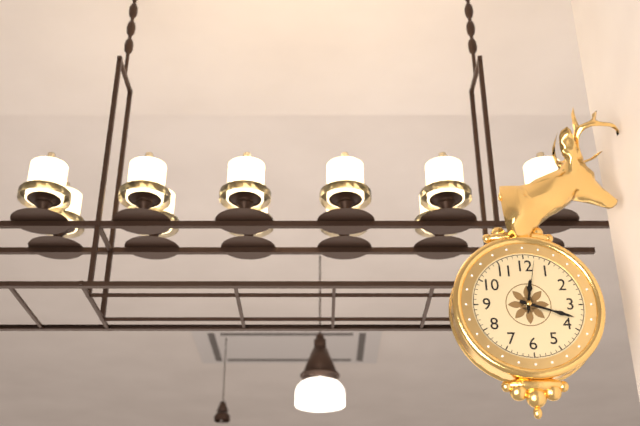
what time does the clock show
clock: 12:18:02
